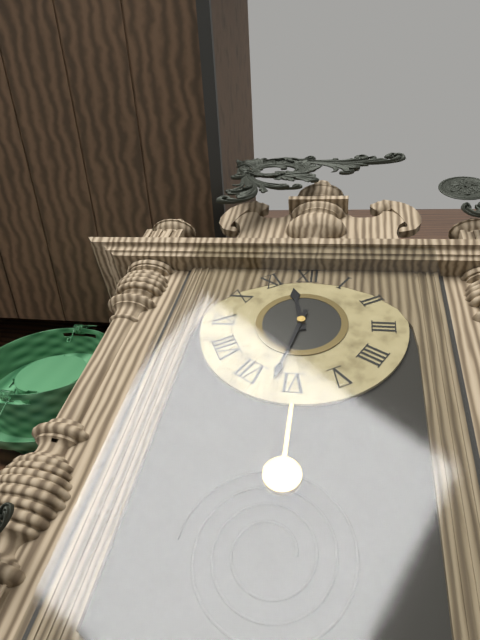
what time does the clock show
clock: 11:32
